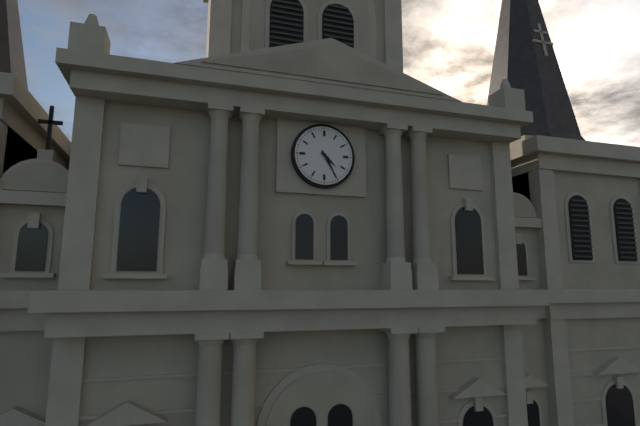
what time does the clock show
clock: 4:25
